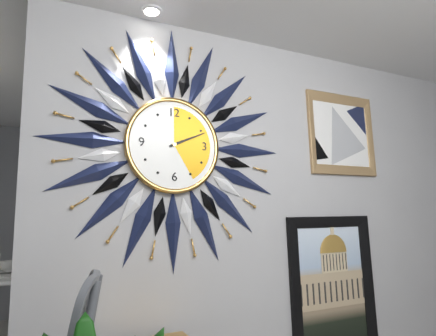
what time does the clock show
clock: 2:11
